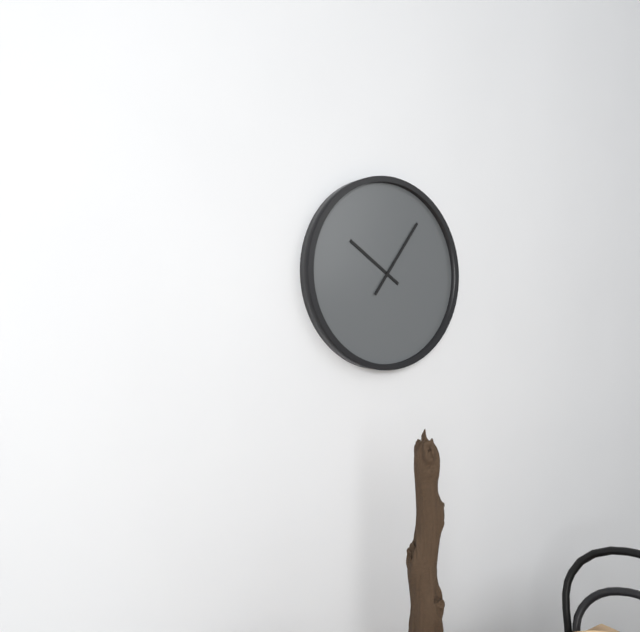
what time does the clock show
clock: 10:06
